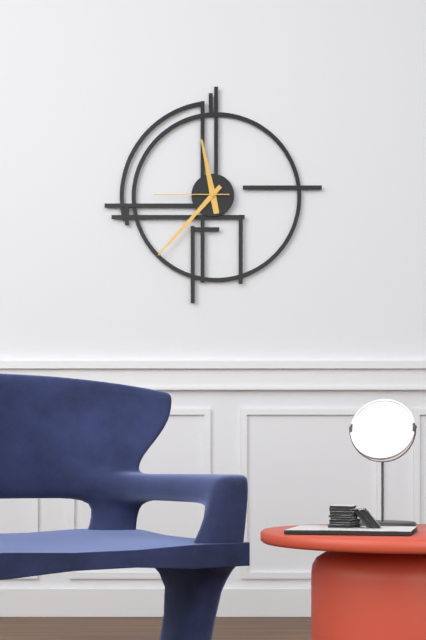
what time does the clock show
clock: 11:37:45
